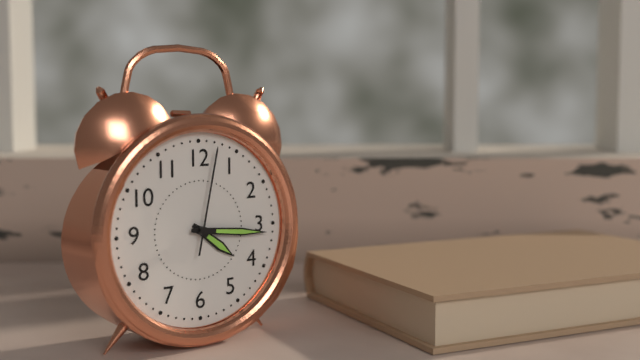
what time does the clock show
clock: 4:16:02
